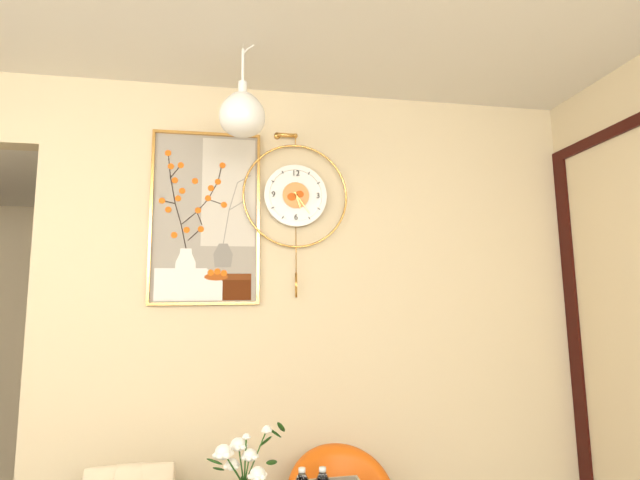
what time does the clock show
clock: 5:24
